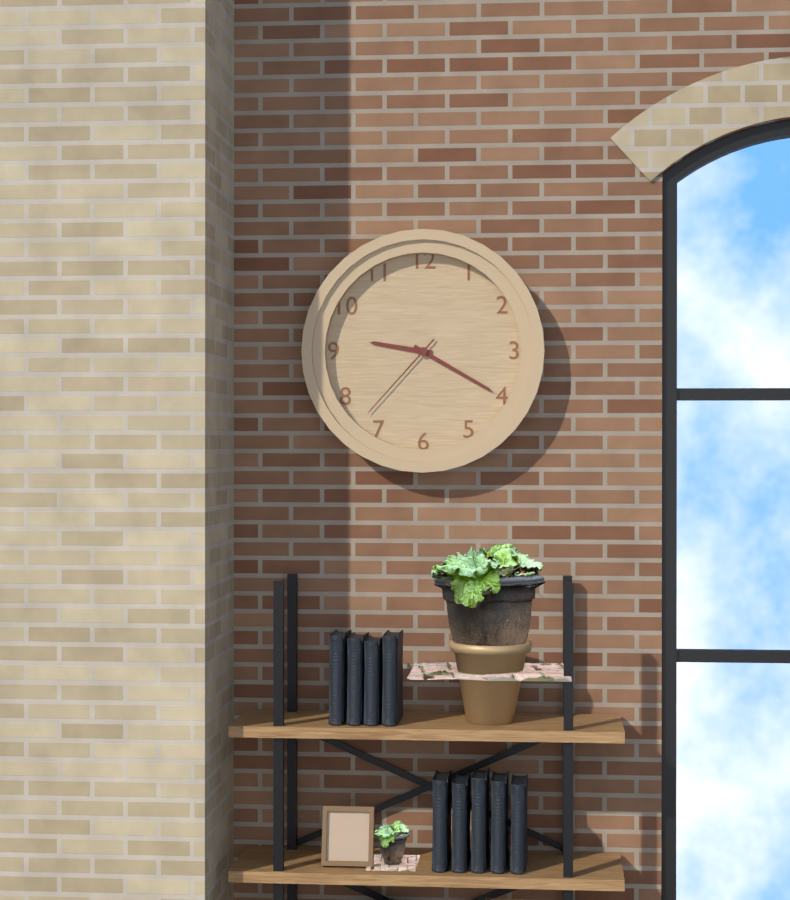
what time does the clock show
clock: 9:20:37
